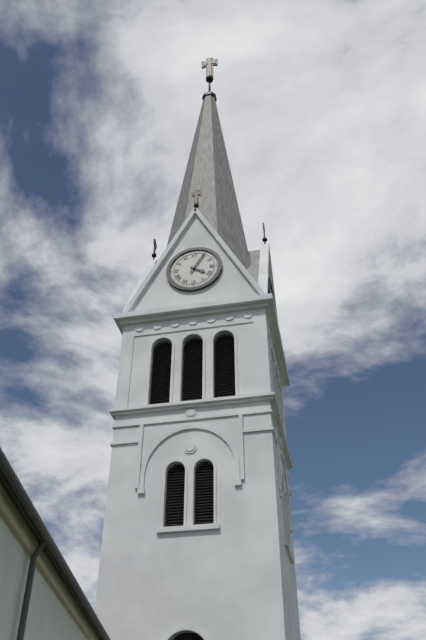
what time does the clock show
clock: 4:05
